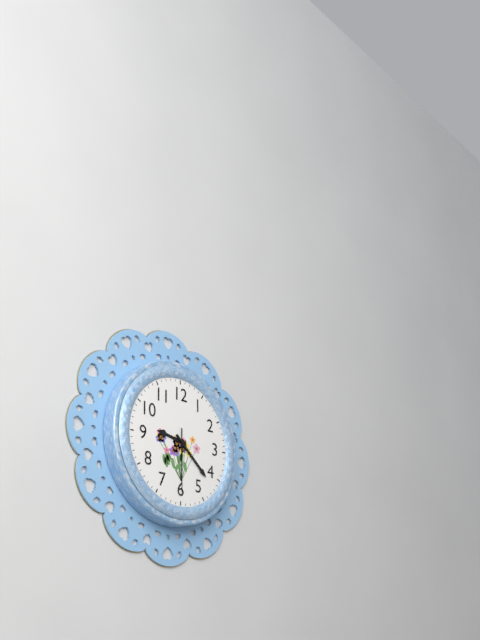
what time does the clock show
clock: 9:22:30
